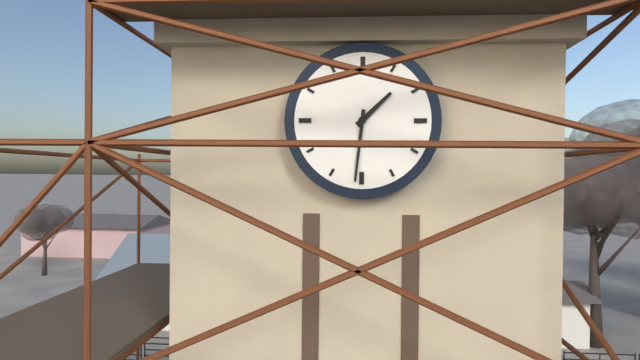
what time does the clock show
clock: 1:31
